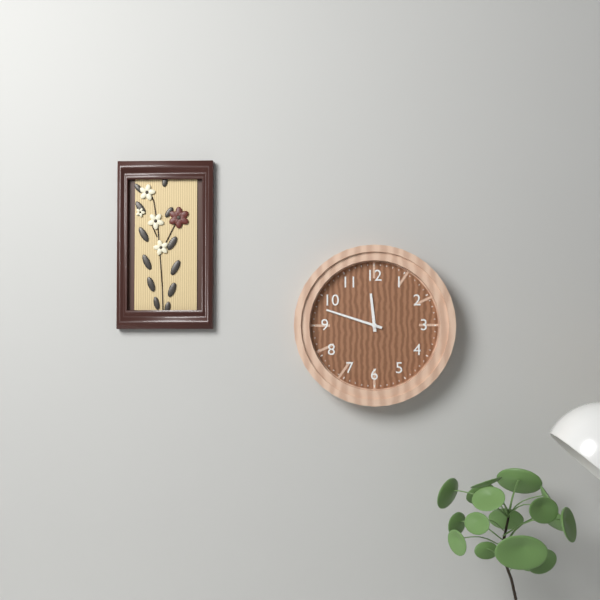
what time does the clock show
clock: 11:48
